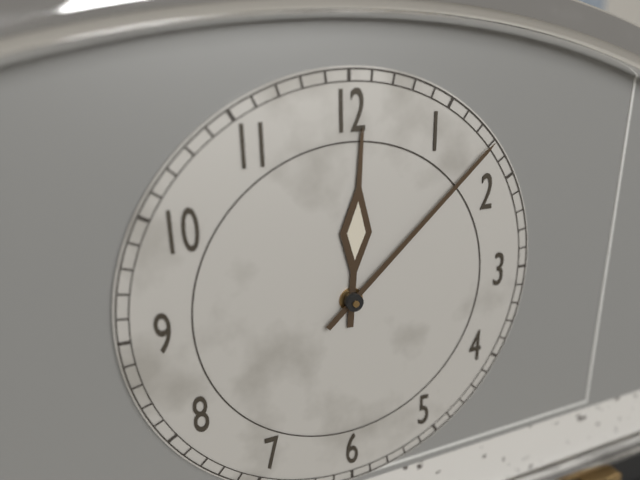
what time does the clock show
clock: 12:08
